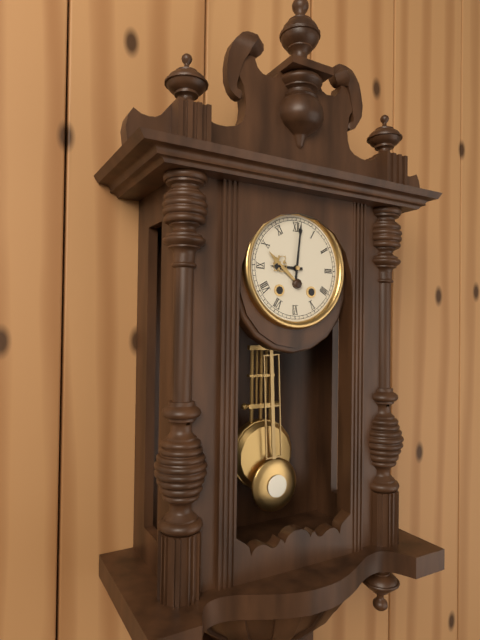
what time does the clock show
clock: 9:01
